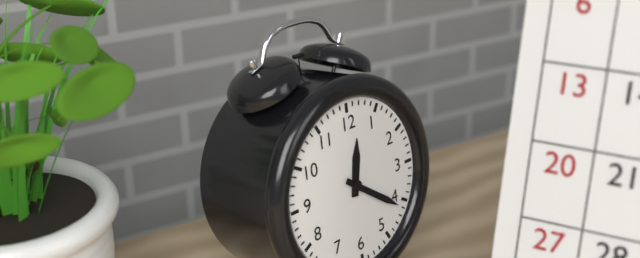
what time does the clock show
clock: 12:21
